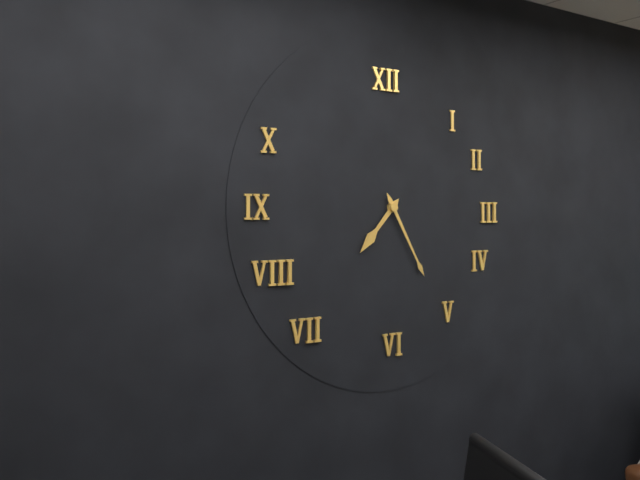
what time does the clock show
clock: 7:25
